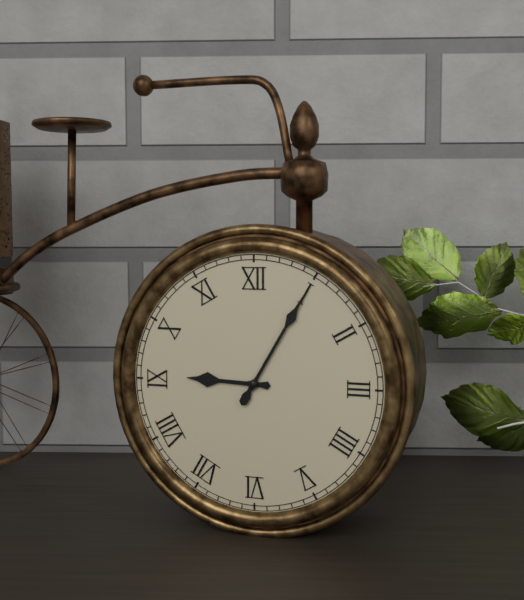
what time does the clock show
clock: 9:05
